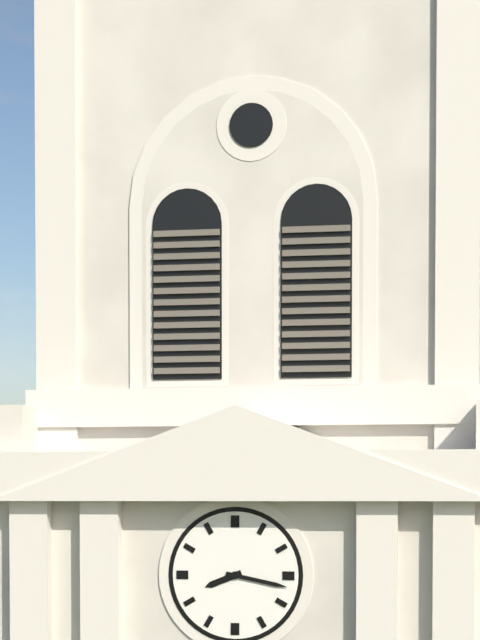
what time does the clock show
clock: 8:17
